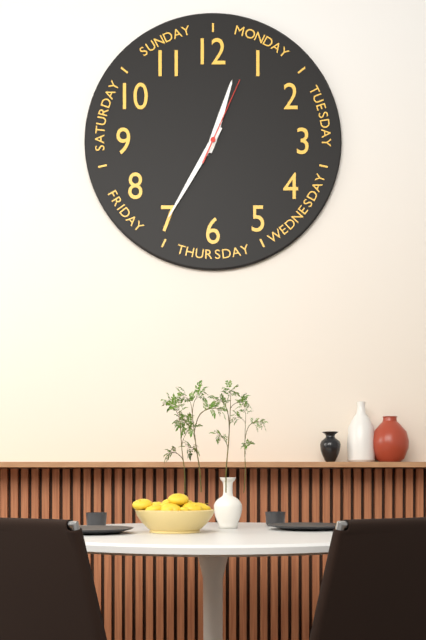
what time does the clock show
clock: 12:35:04
